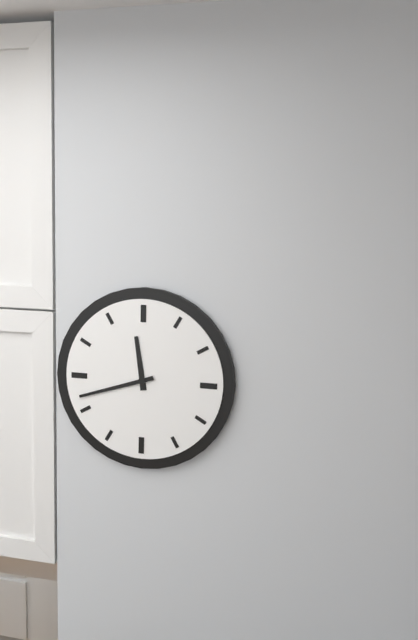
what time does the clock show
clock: 11:42
